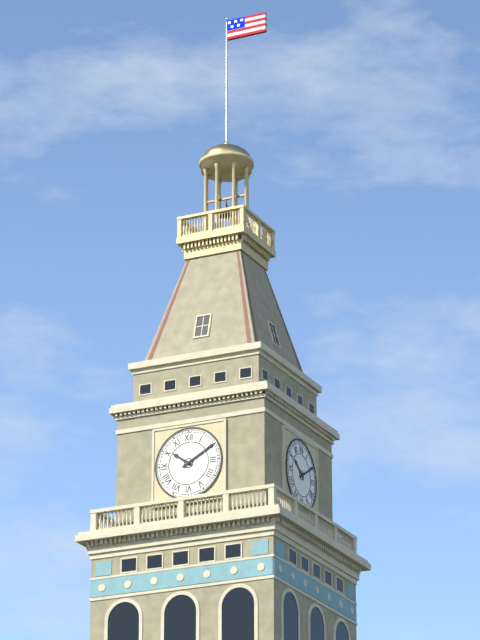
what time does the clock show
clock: 10:10
